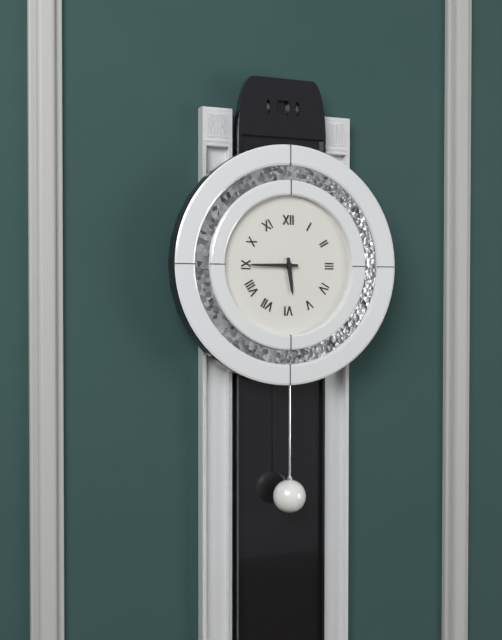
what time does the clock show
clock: 5:45
